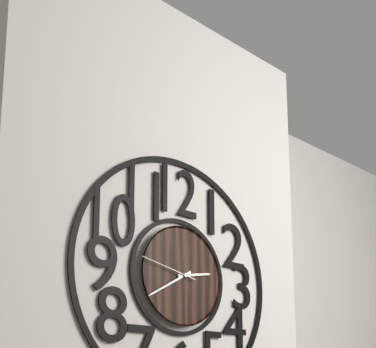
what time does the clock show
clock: 2:40:47
